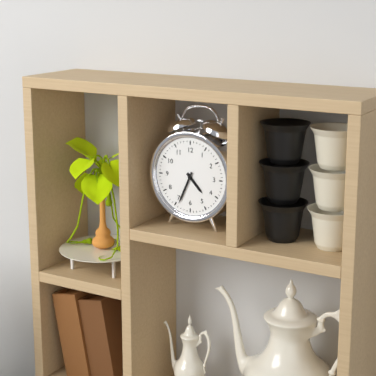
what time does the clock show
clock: 4:34
